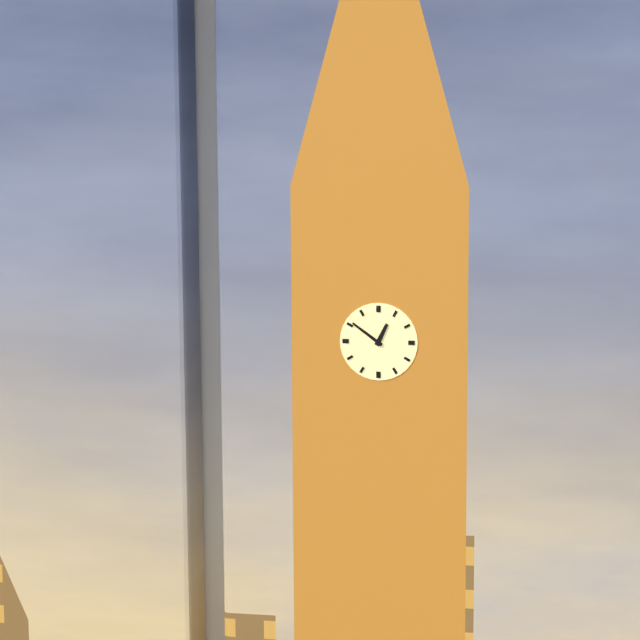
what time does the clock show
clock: 12:51
